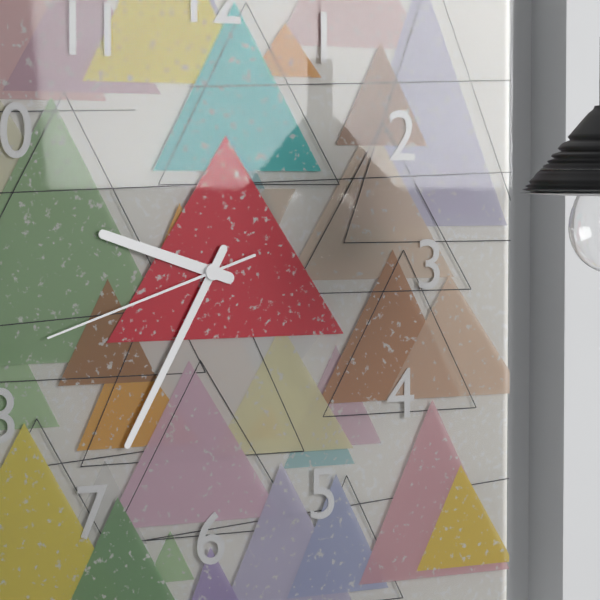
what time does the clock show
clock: 9:35:42
